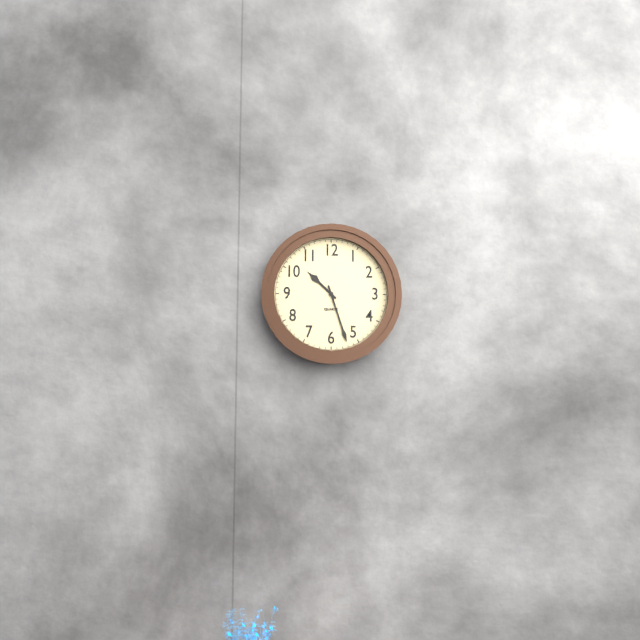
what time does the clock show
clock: 10:27
